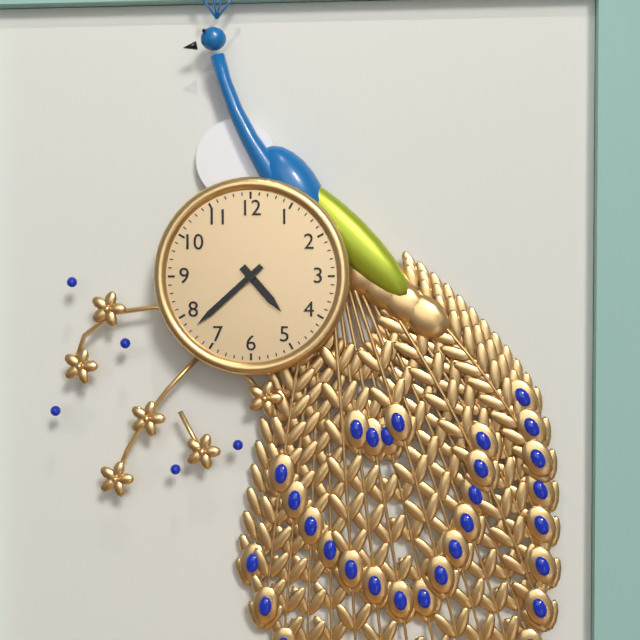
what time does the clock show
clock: 4:38
